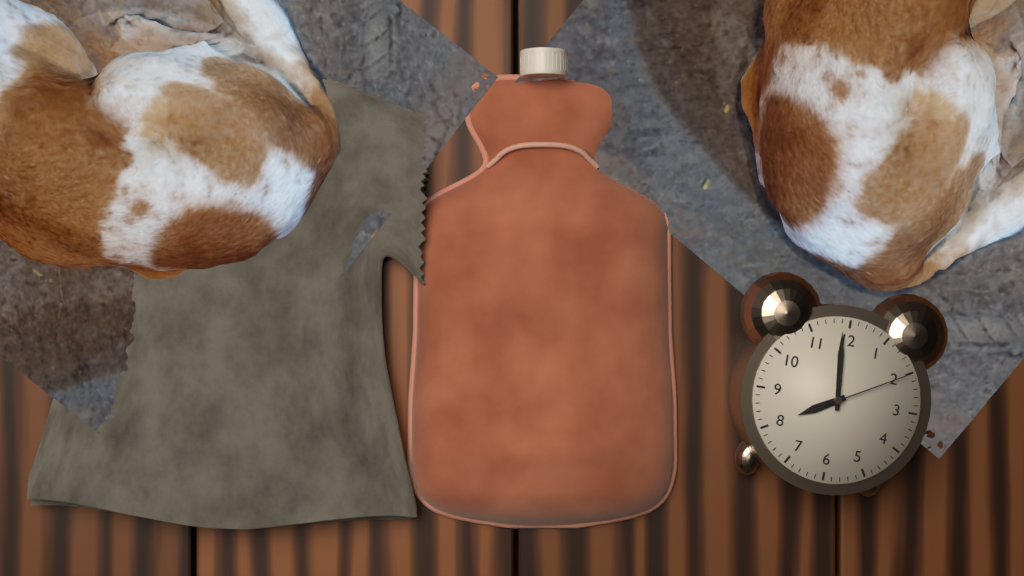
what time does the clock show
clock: 7:59:10
